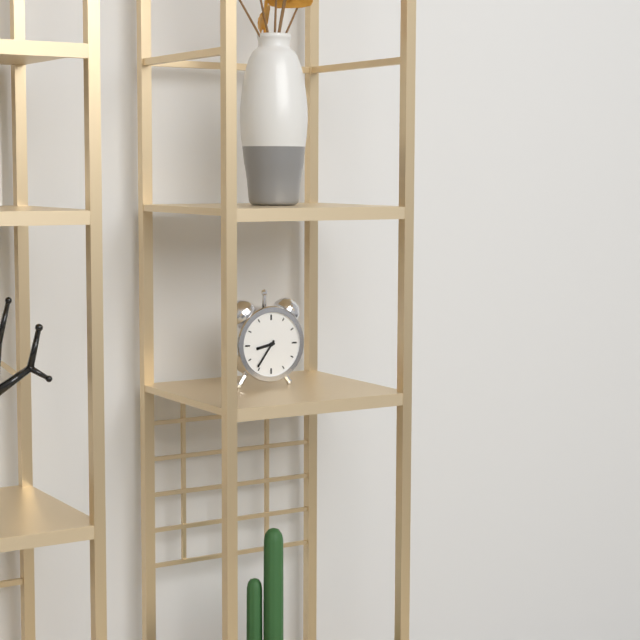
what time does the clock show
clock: 8:36
